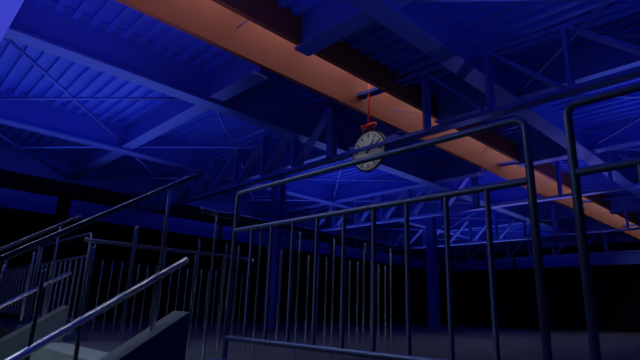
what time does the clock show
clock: 1:10
